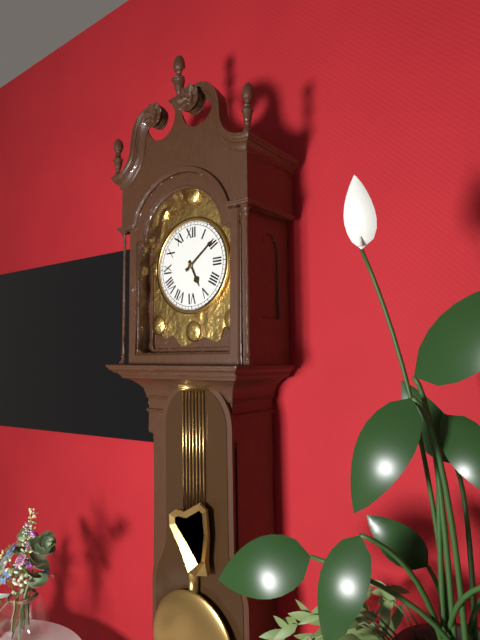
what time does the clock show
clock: 5:09
